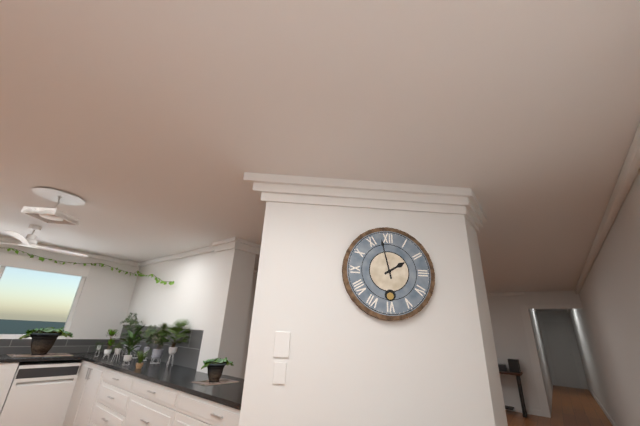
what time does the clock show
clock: 1:58
